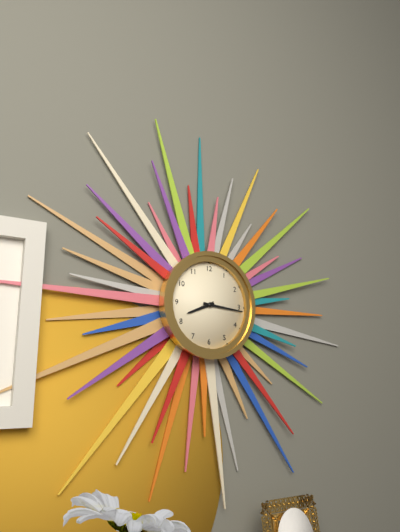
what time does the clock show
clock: 8:16
